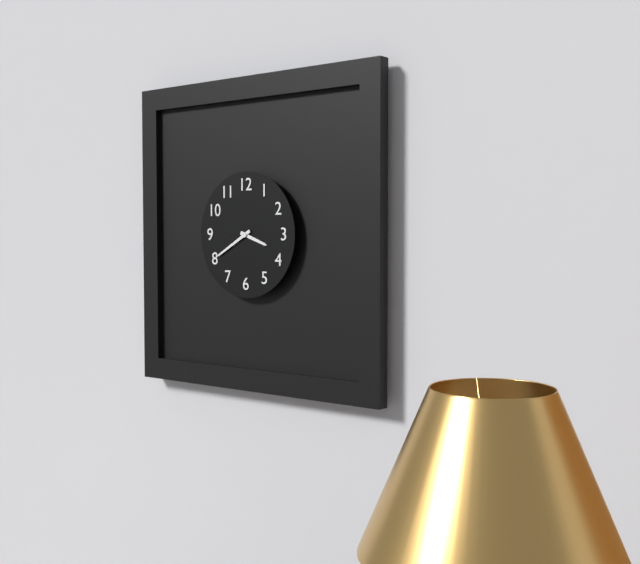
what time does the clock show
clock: 3:40
